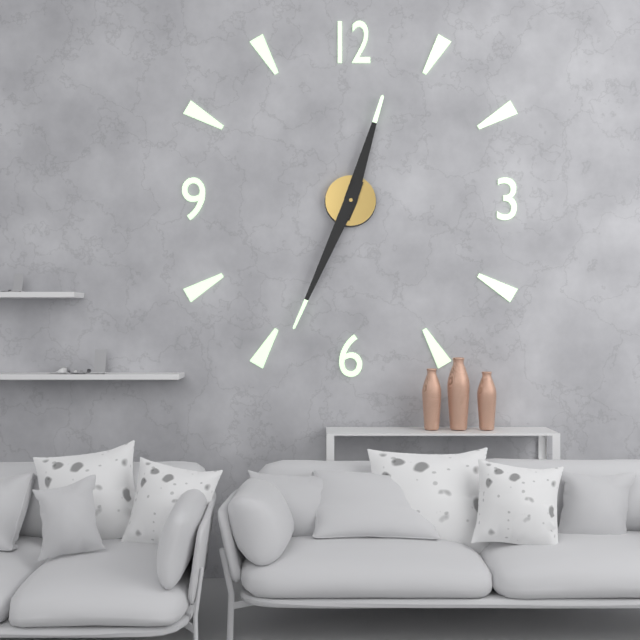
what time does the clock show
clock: 12:34
